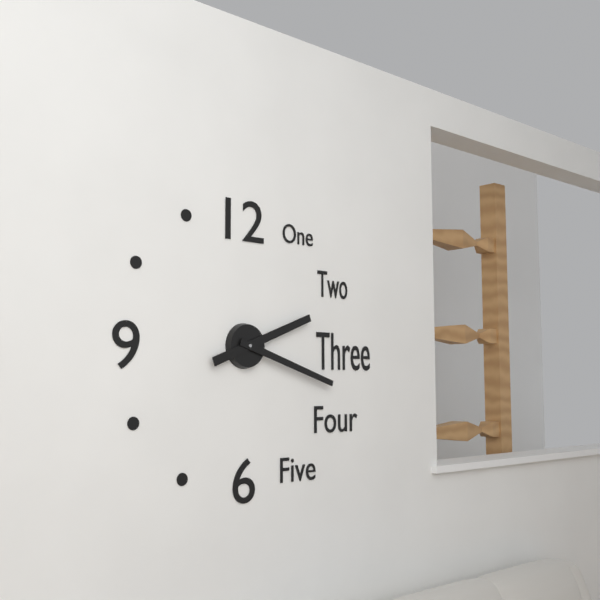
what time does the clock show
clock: 2:18
